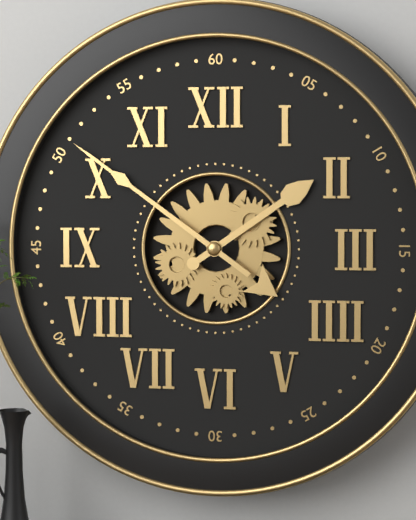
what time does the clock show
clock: 1:51
